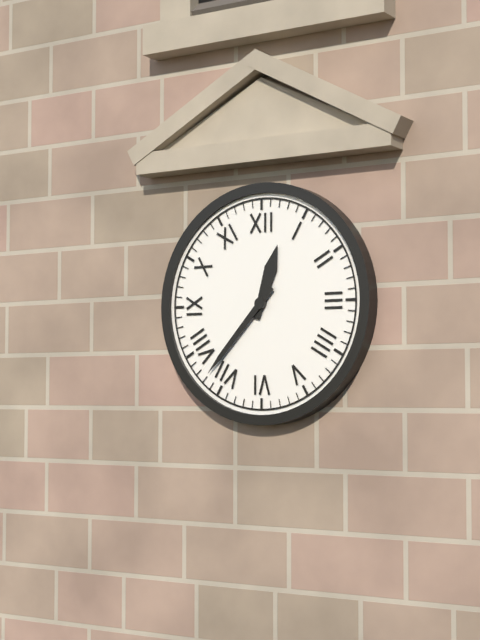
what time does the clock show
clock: 12:37
